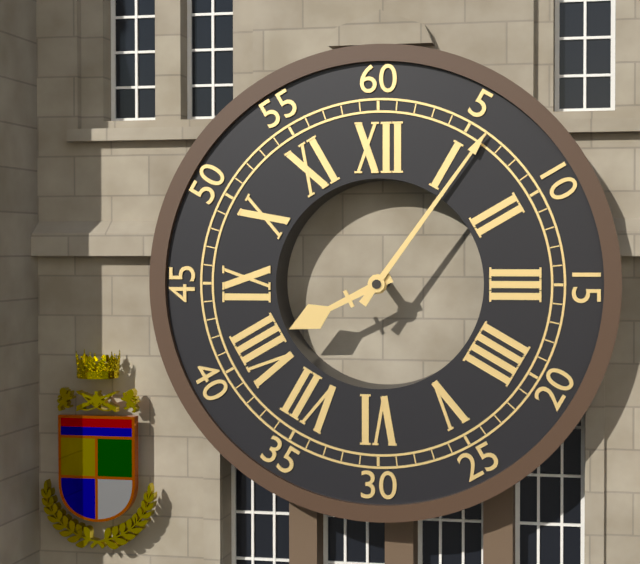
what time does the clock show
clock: 8:06
